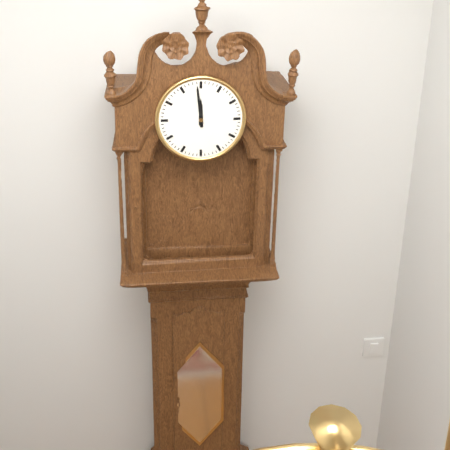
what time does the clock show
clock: 11:59
